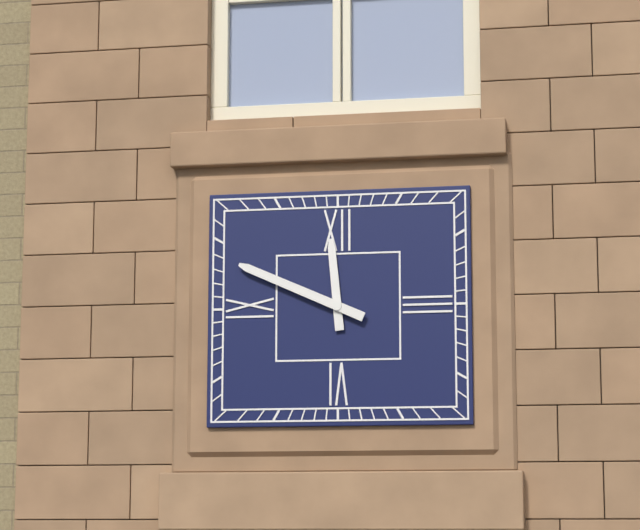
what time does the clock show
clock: 11:49
